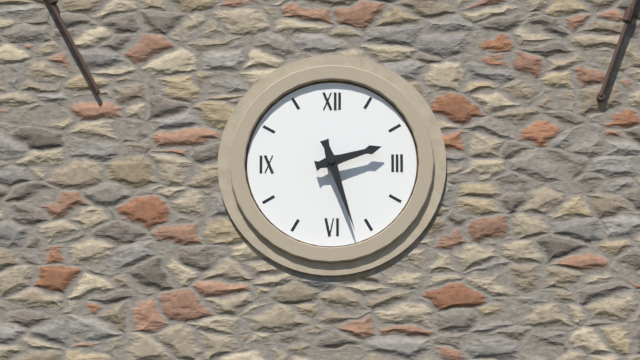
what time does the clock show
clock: 2:27
